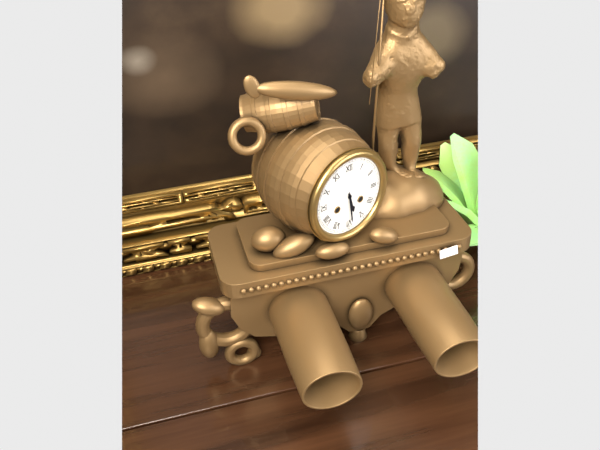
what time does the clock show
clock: 5:29
